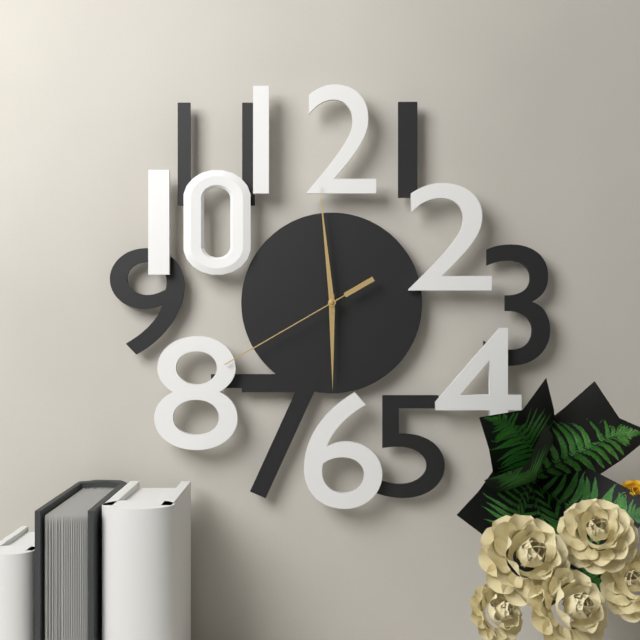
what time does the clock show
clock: 5:59:40
